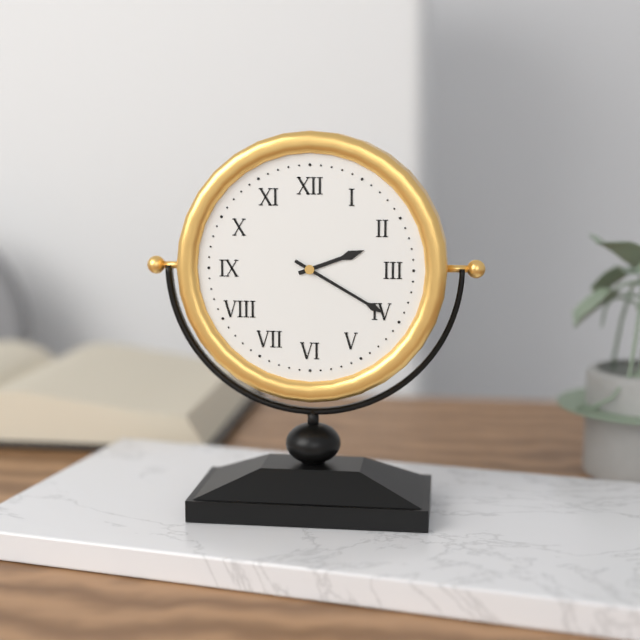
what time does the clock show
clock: 2:20
